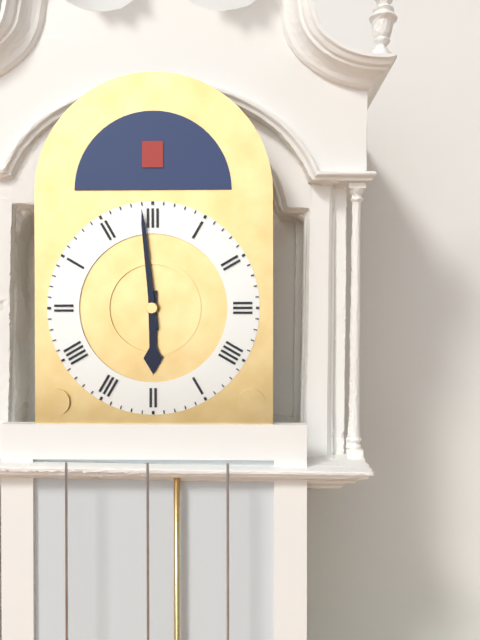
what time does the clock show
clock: 5:59
